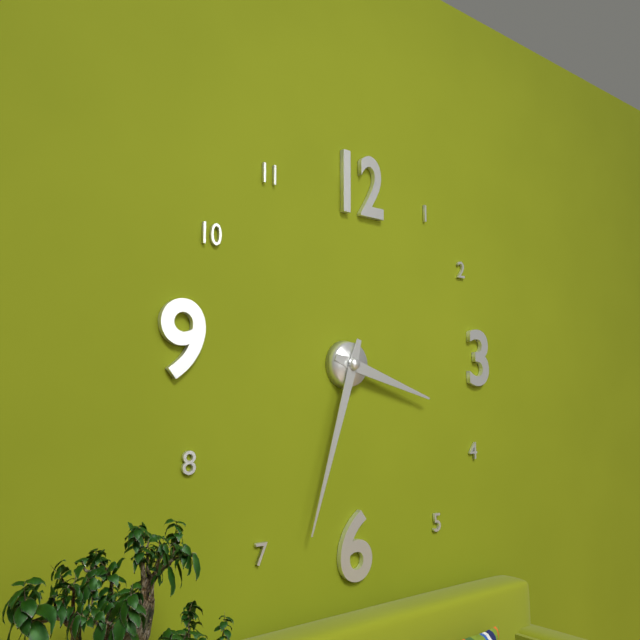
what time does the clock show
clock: 3:33
